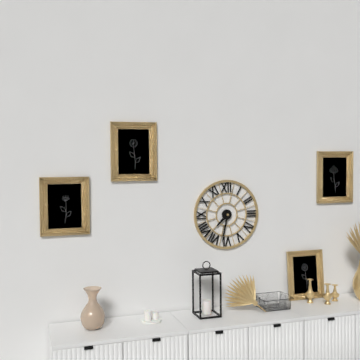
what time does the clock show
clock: 7:32
